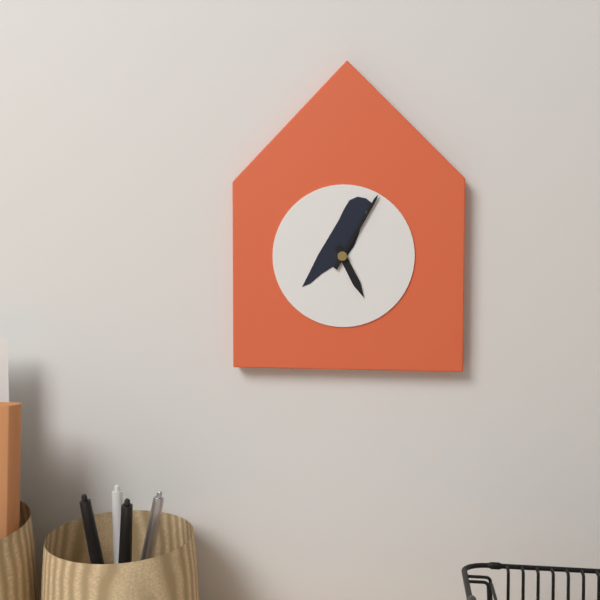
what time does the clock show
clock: 5:05
